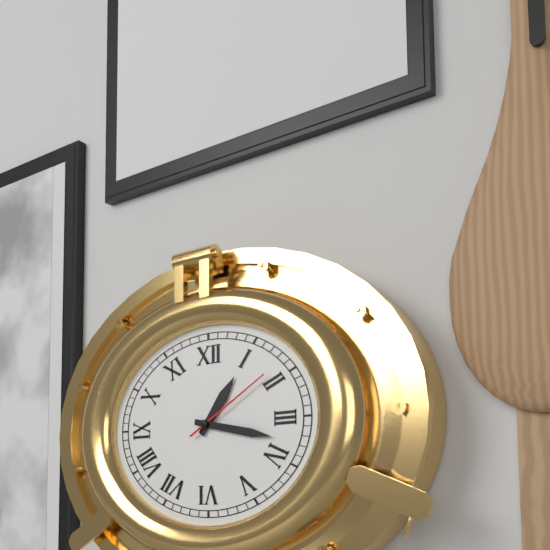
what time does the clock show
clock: 1:17:10
